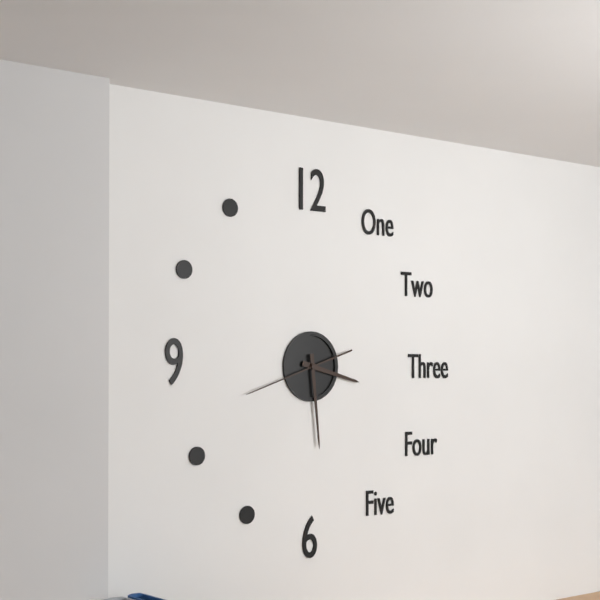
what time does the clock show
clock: 3:29:42
